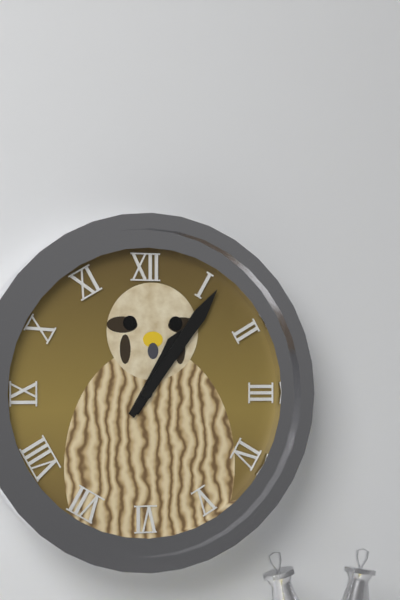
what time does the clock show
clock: 1:06
